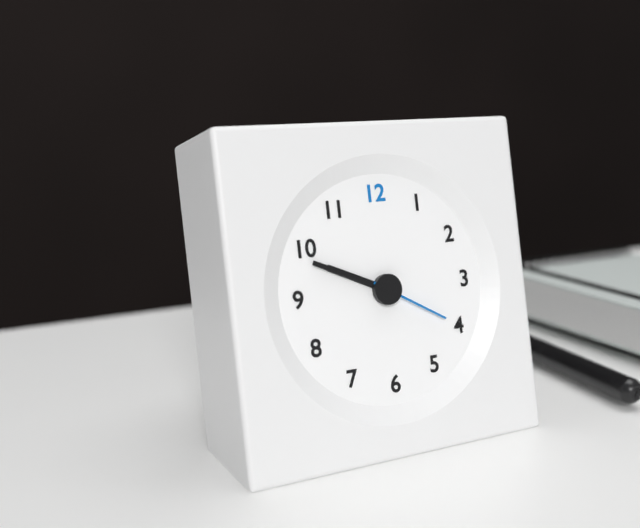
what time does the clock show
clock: 9:49:20
